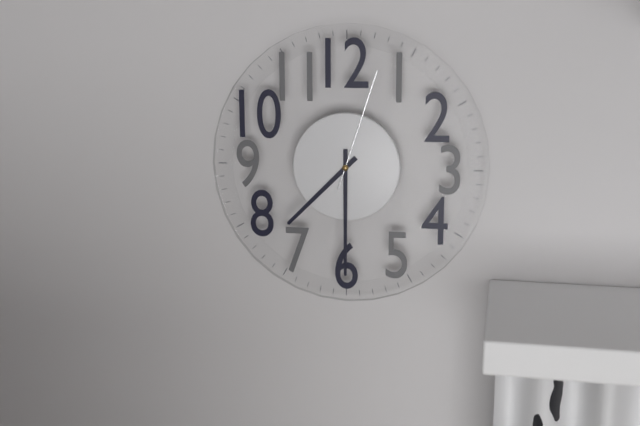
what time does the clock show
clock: 7:30:03
